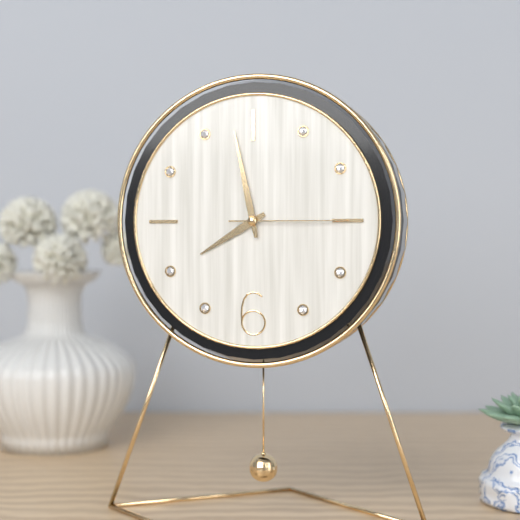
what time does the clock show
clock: 7:58:15
